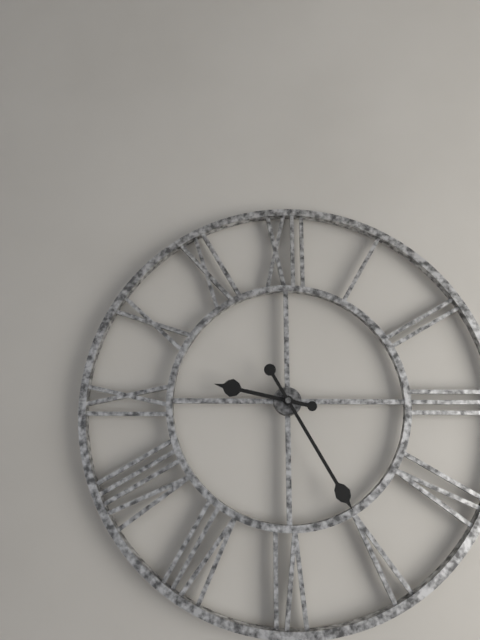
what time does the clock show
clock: 9:25
